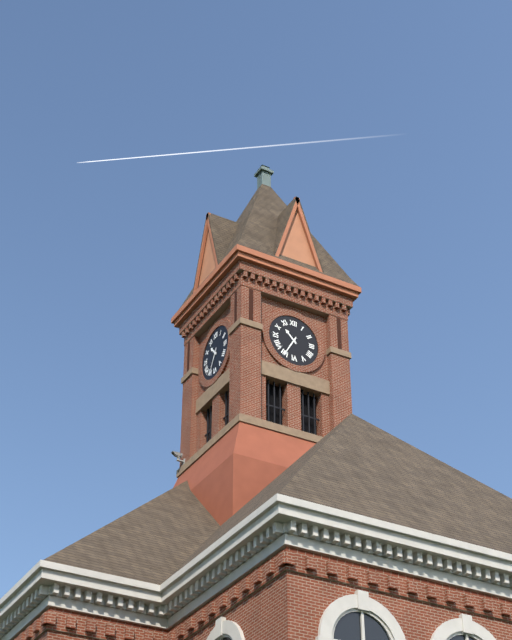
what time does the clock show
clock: 10:35
